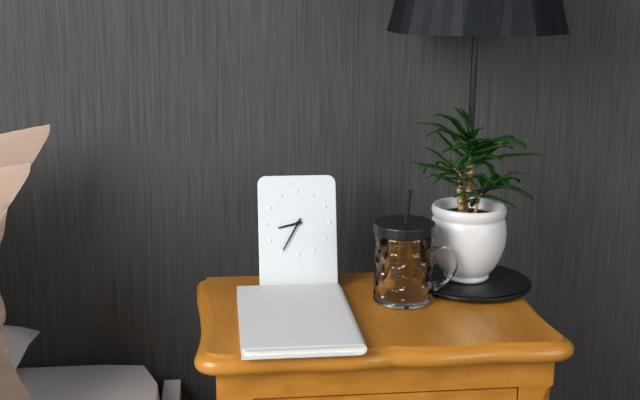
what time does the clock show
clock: 8:35
